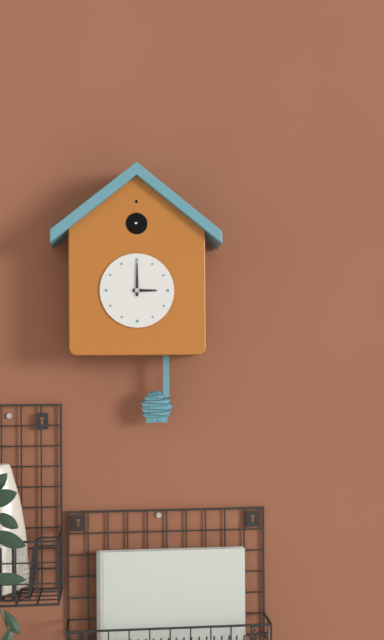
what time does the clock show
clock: 3:00
